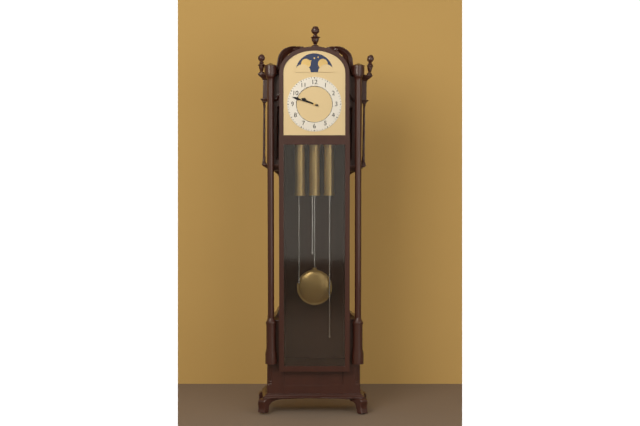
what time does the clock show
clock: 9:48
